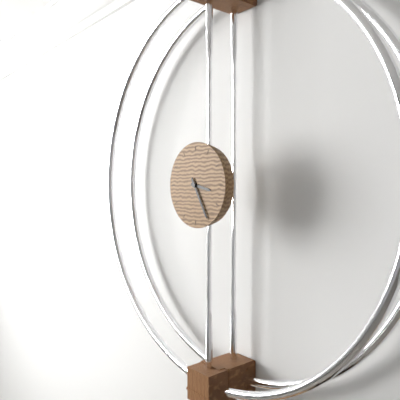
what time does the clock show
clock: 3:25
